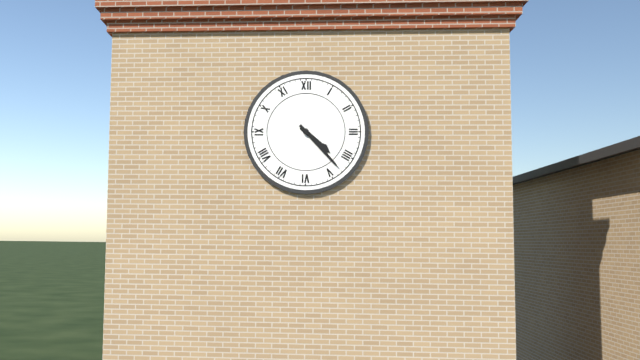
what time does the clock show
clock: 4:23
